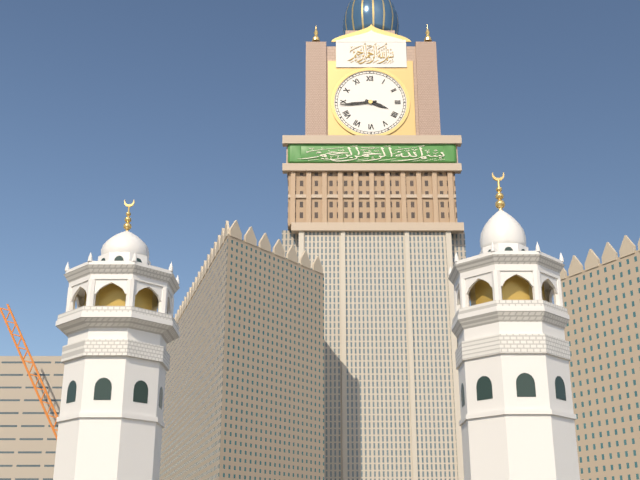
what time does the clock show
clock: 3:44
